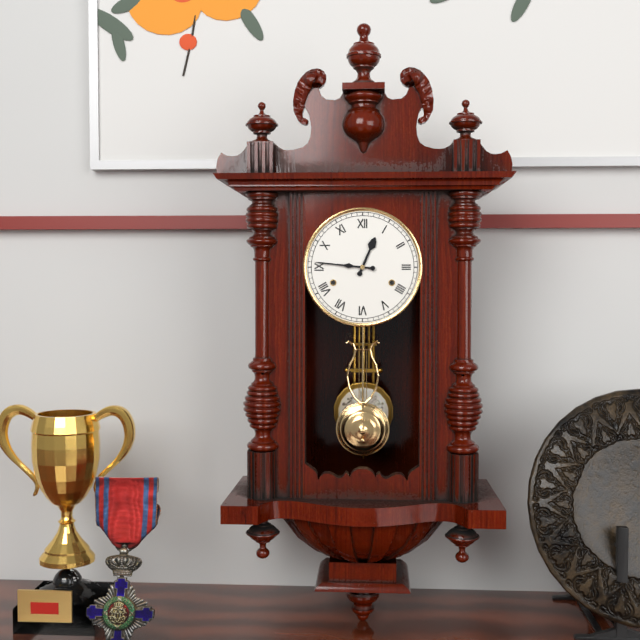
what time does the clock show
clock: 12:46
